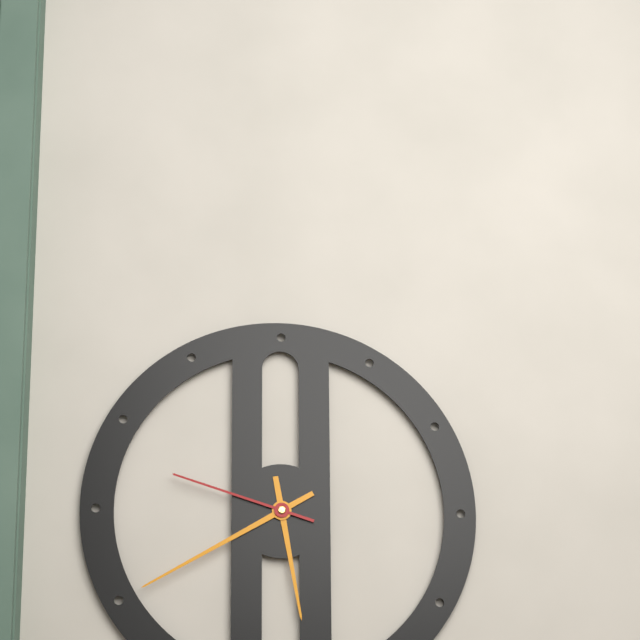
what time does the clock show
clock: 5:40:48
